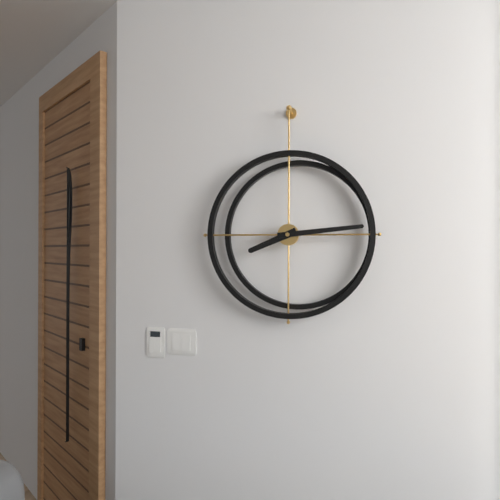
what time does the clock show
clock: 8:14
